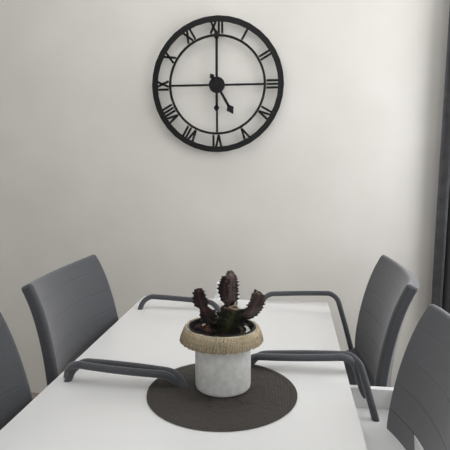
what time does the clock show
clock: 5:00
